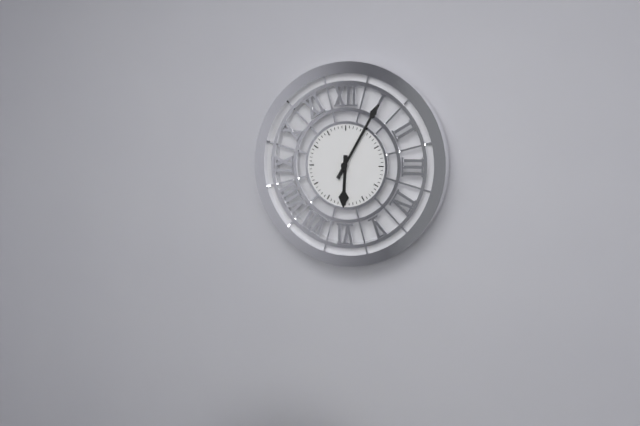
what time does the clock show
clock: 6:05
